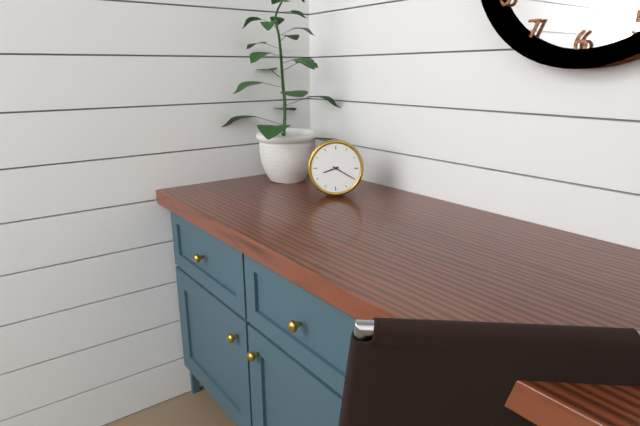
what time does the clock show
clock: 8:20
